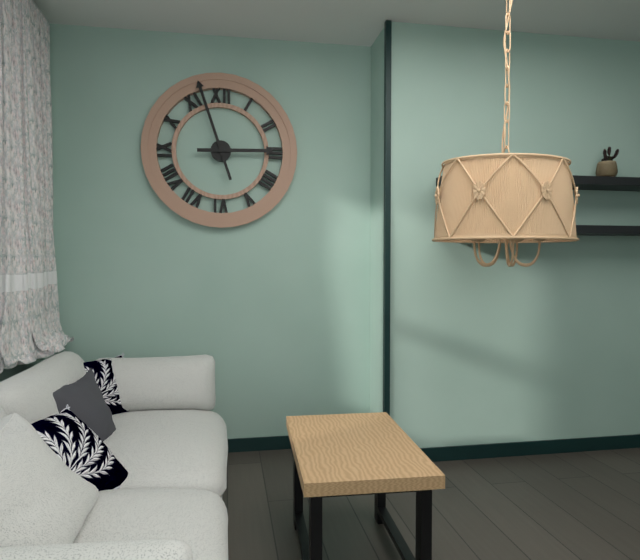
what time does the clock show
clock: 2:57
